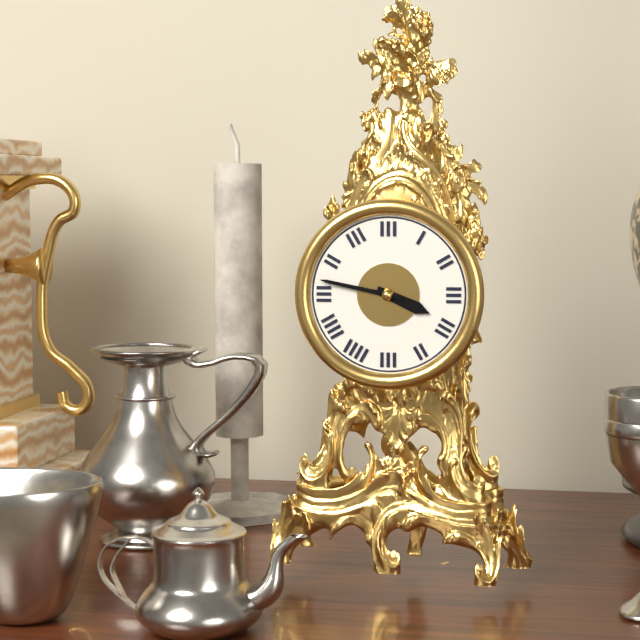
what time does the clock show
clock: 3:47
